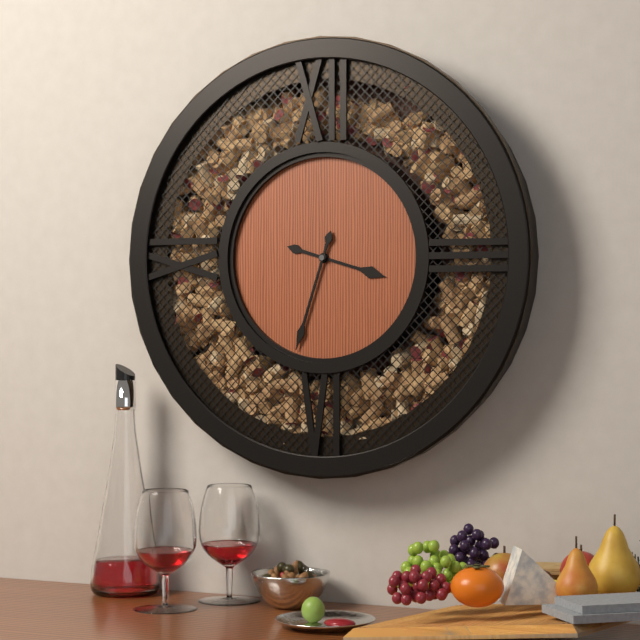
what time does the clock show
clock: 3:33
